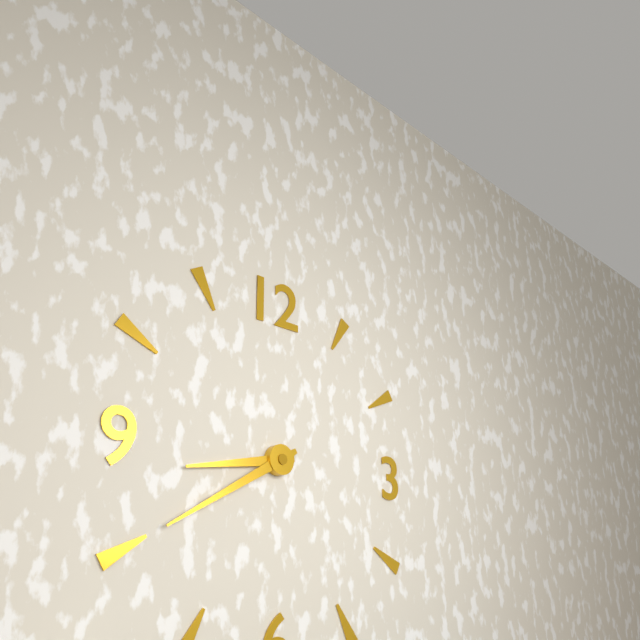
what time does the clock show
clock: 8:40
